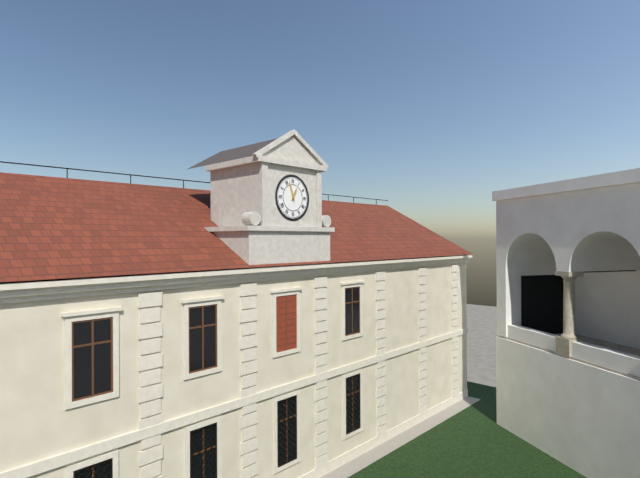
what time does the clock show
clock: 12:57
